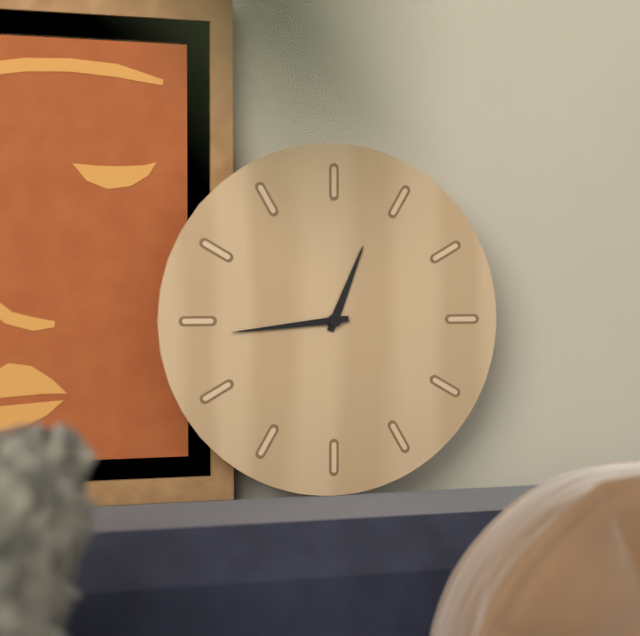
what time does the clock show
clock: 12:44
